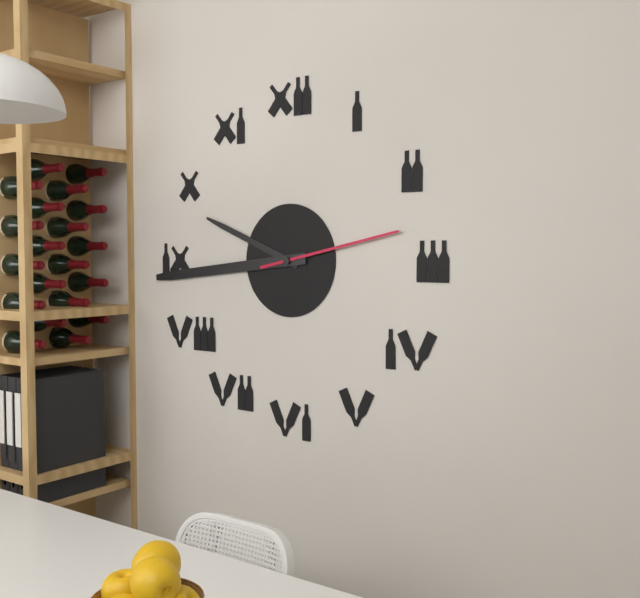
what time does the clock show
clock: 9:44:13
